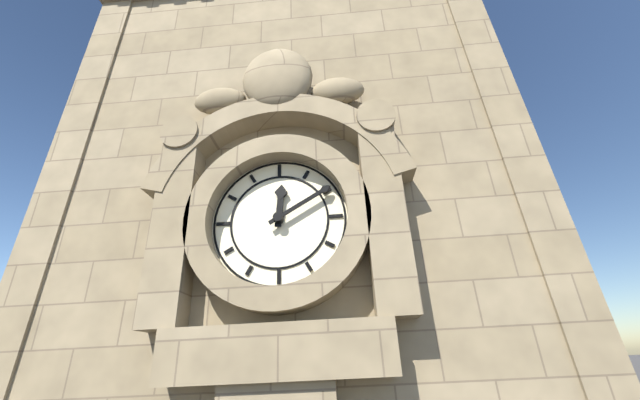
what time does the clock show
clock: 12:10
